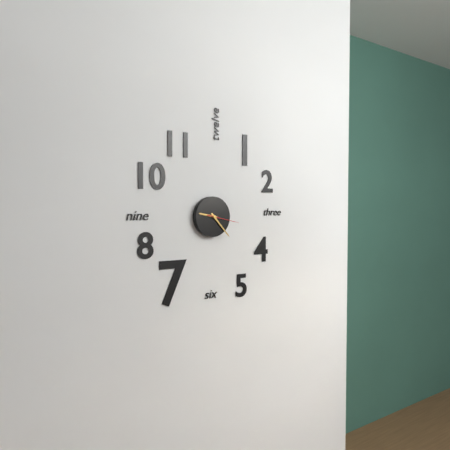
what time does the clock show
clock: 9:23
